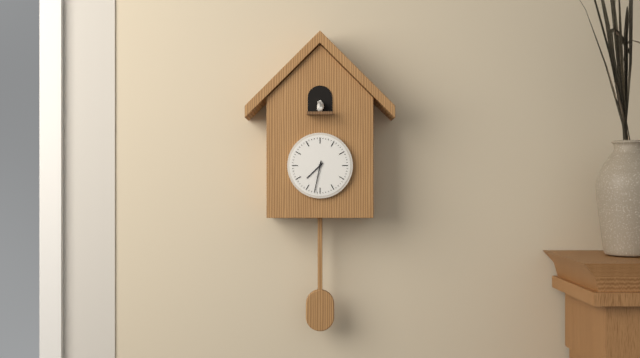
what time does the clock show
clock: 7:32
